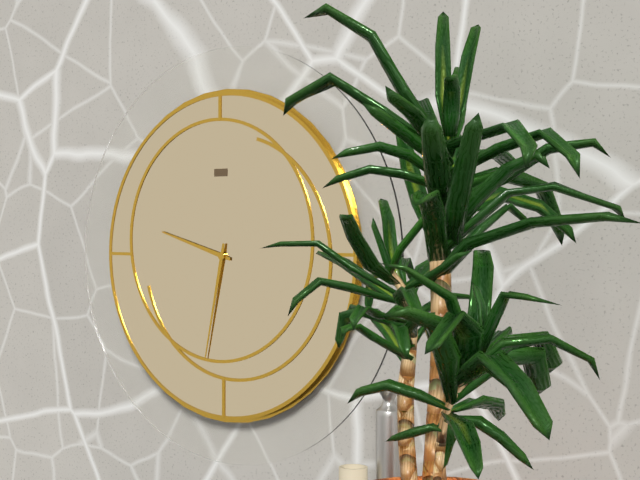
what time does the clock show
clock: 9:32
